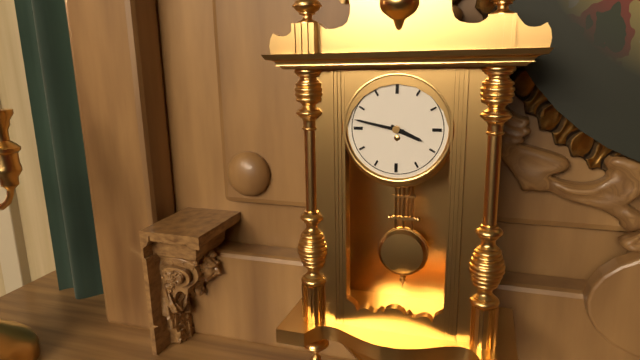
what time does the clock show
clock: 3:47
